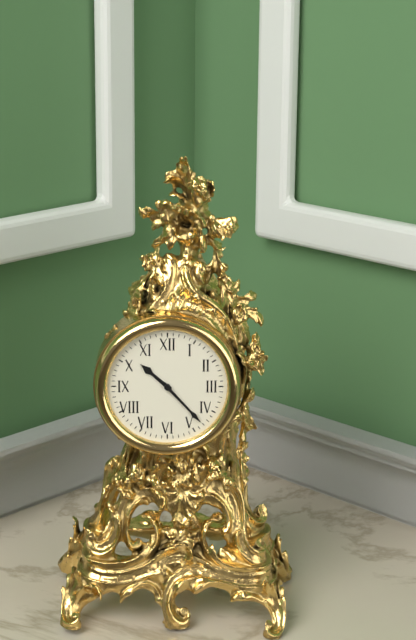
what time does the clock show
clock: 10:23
